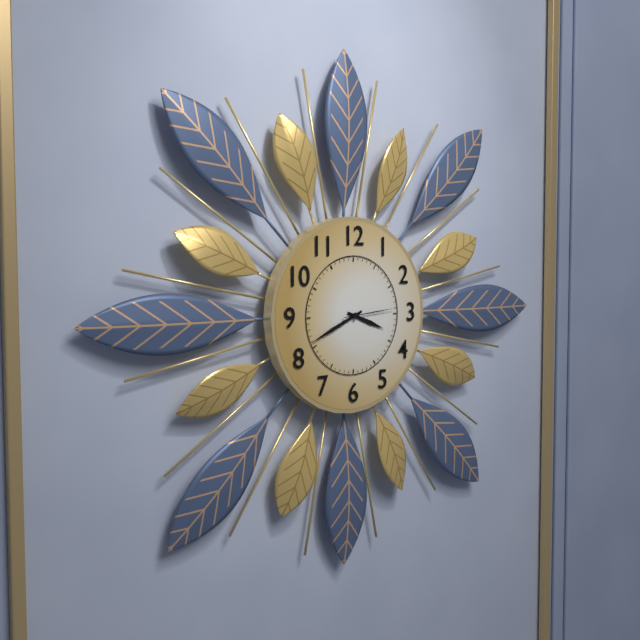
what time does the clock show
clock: 3:41:14
